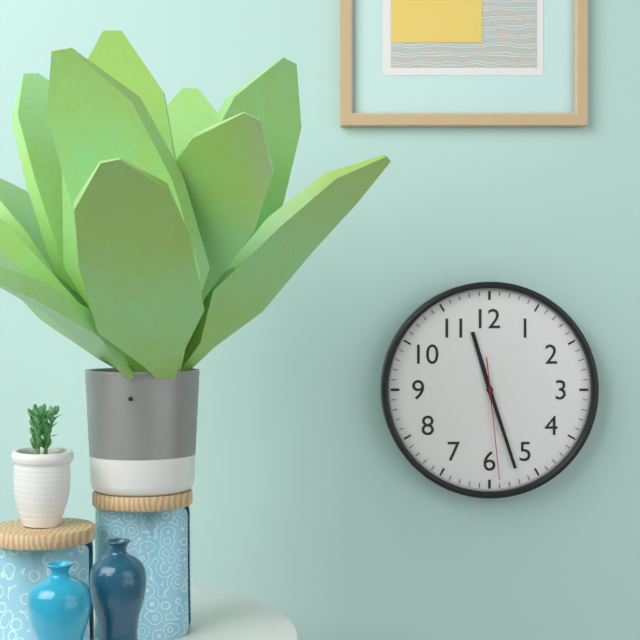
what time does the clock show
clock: 11:27:29
